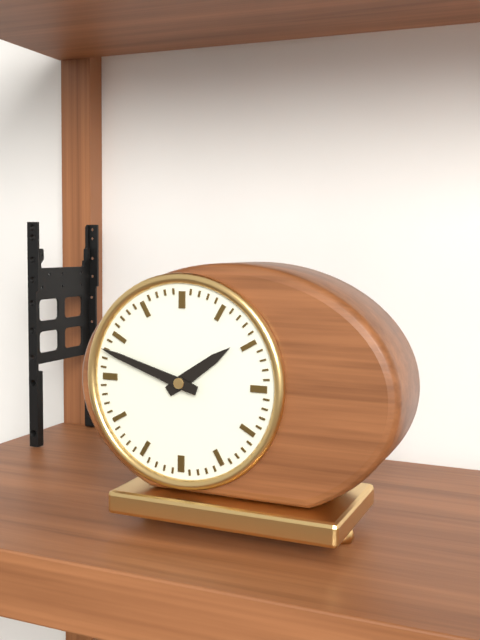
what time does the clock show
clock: 1:48
